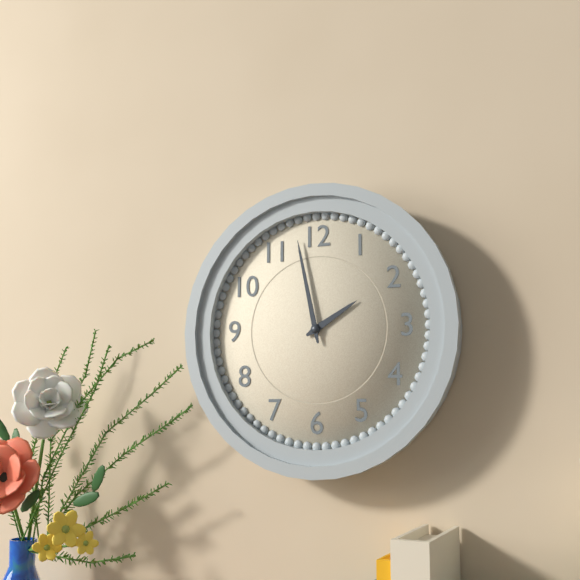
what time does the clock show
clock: 1:58
